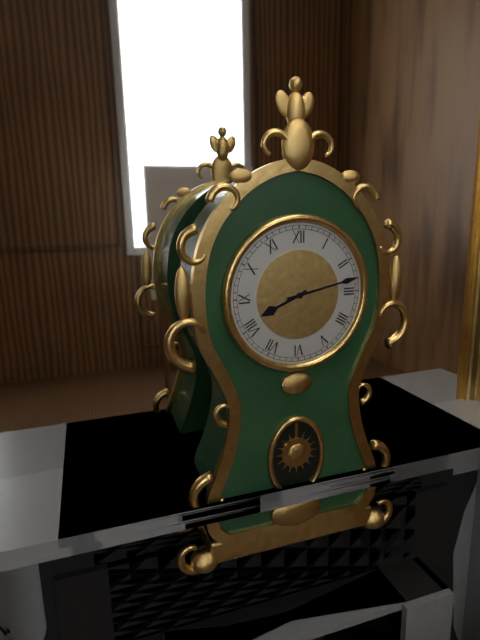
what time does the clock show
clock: 8:13
